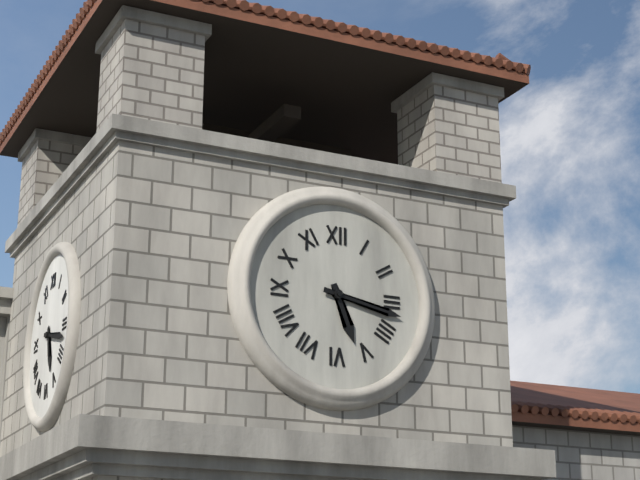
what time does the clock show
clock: 5:17
